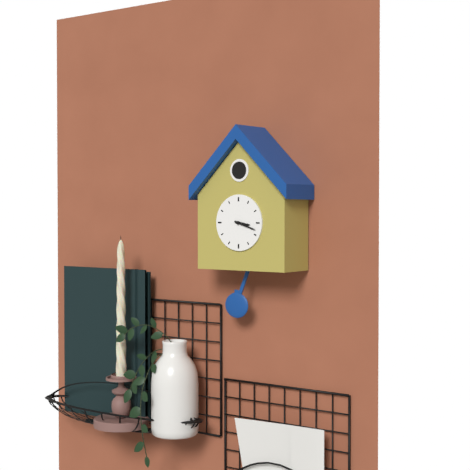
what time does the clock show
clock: 3:18
